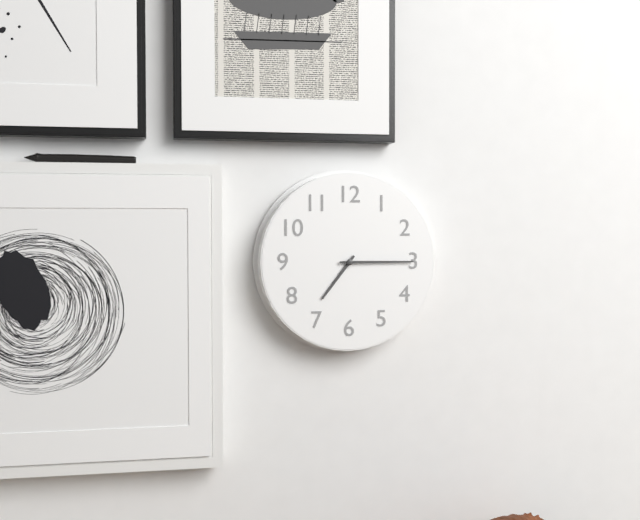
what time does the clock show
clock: 7:15
